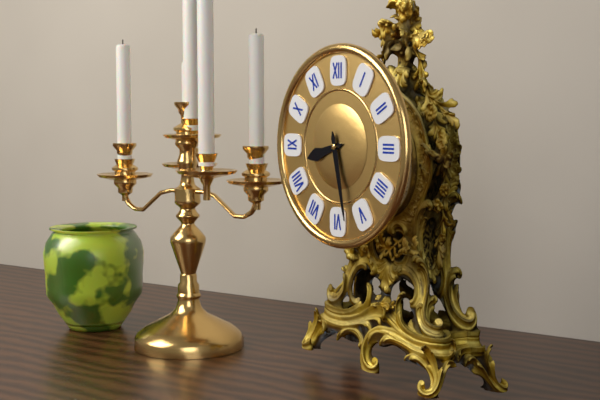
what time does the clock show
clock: 8:28
